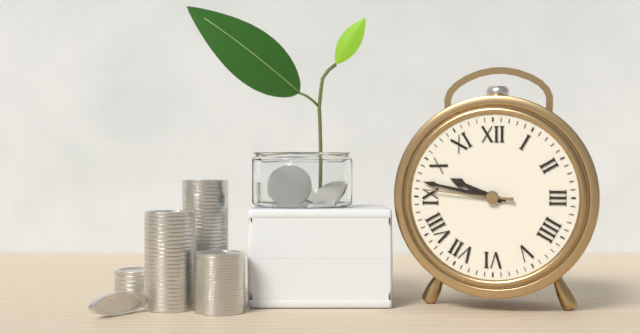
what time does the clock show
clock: 9:47:46
